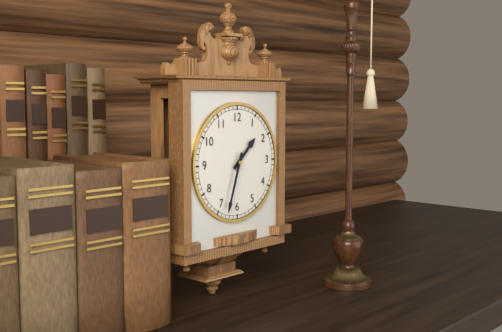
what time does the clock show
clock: 1:33
